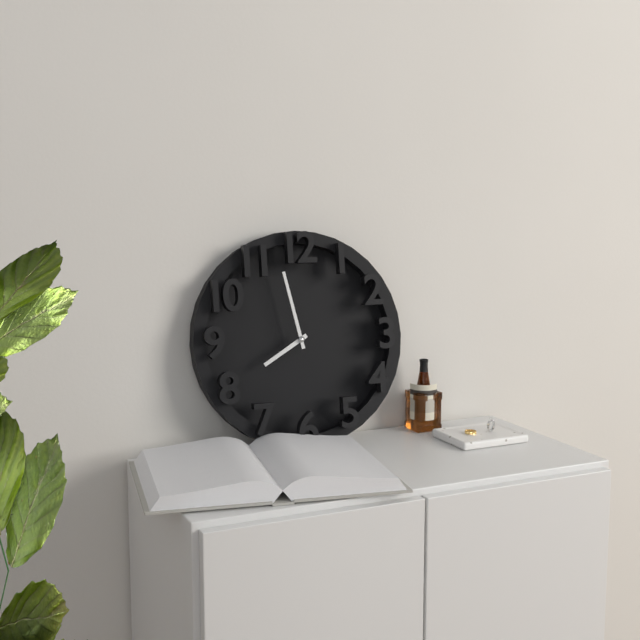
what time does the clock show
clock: 7:58
